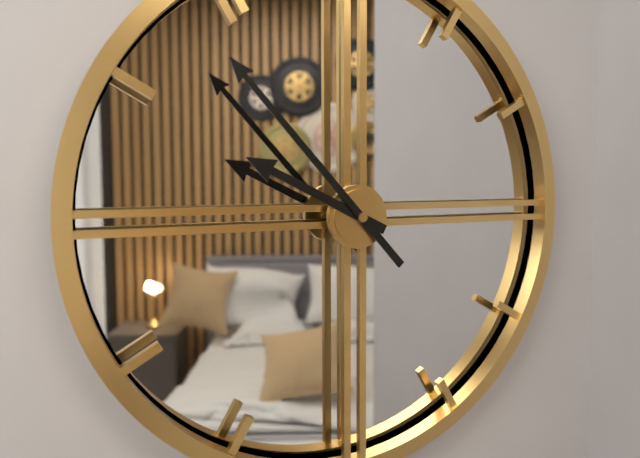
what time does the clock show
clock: 9:53
